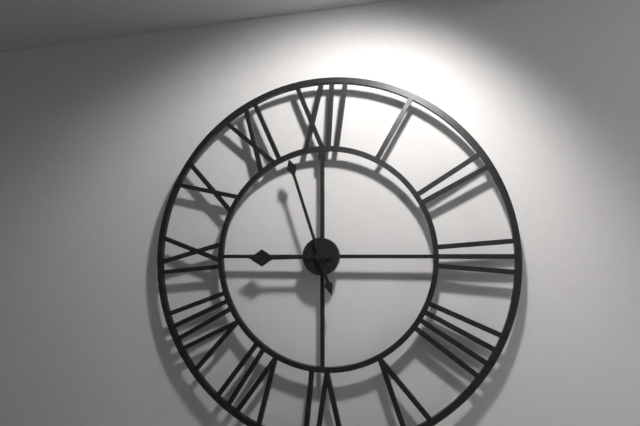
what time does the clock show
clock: 8:57
